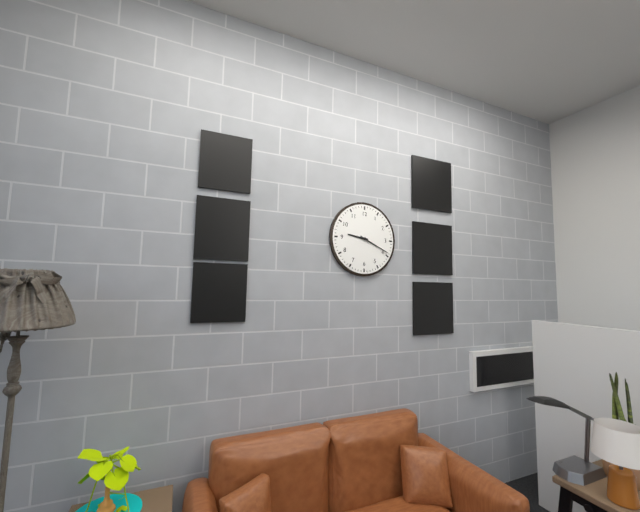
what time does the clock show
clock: 9:19
